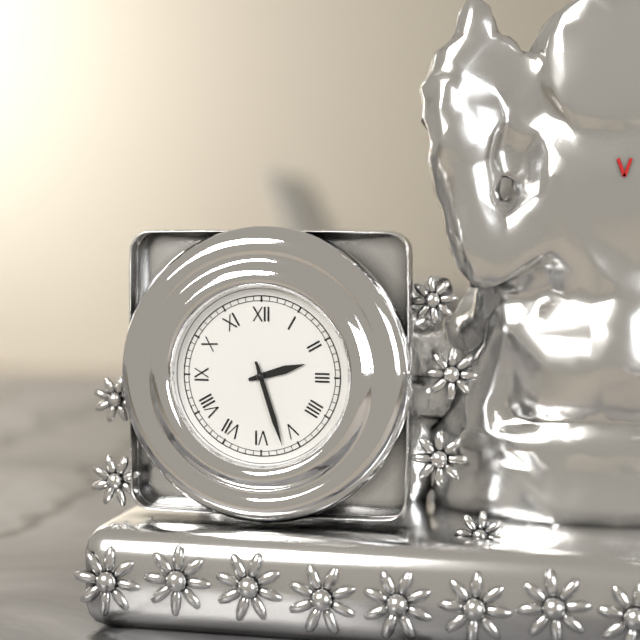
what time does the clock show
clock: 2:27
